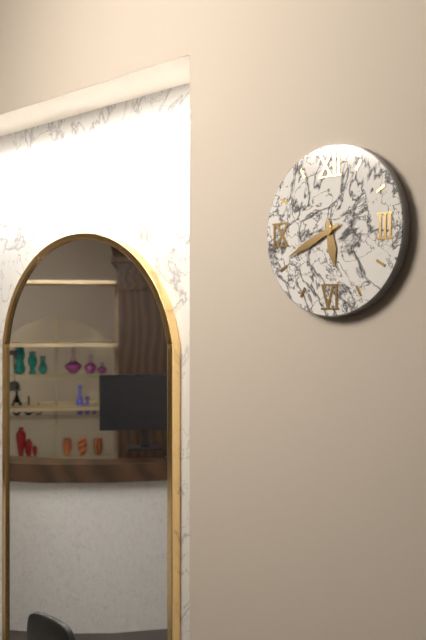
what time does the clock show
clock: 5:41
